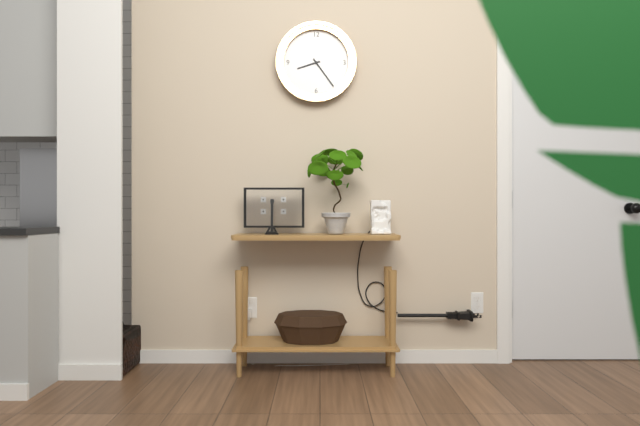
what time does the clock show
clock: 8:24
